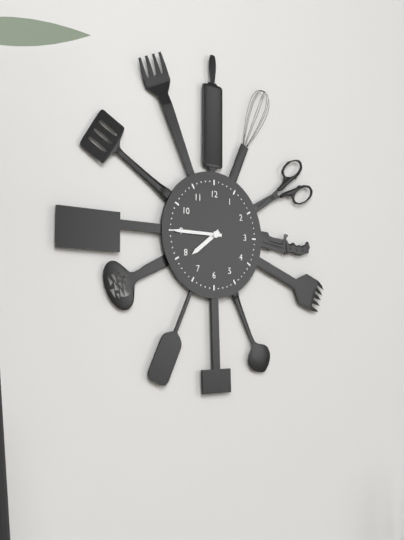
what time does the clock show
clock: 7:45
